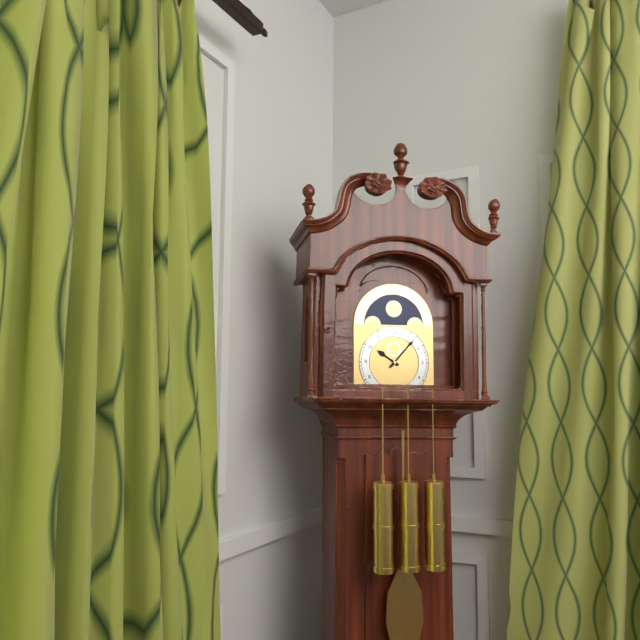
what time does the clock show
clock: 10:07
